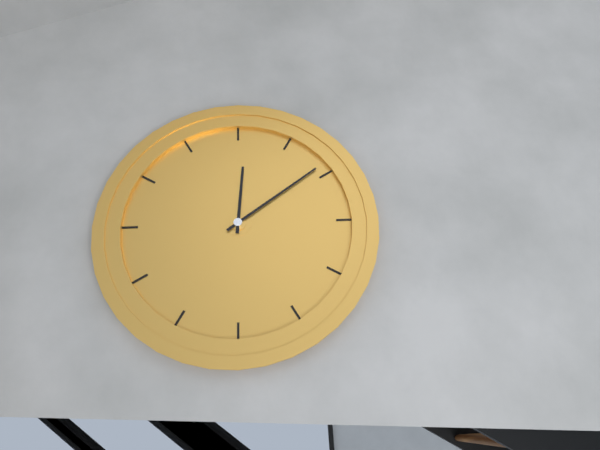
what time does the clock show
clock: 12:09
